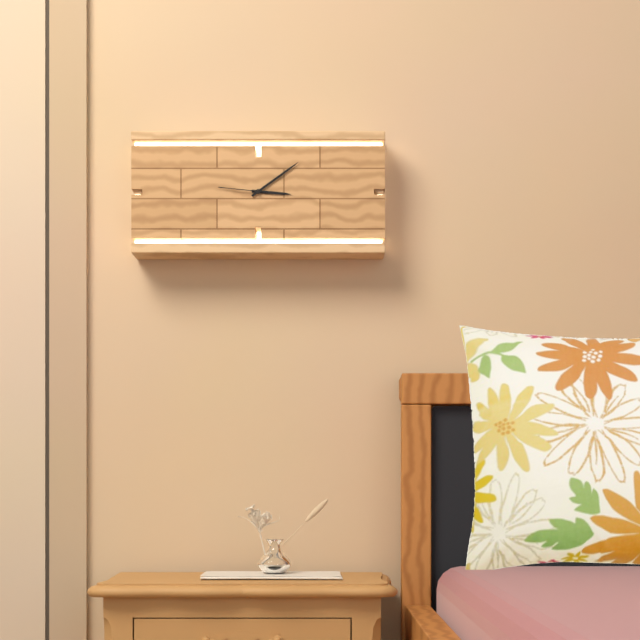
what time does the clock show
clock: 3:09:46
